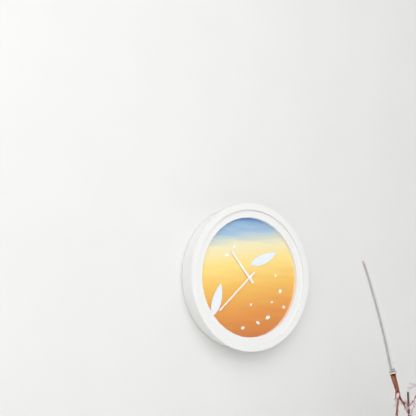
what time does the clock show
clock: 10:38
